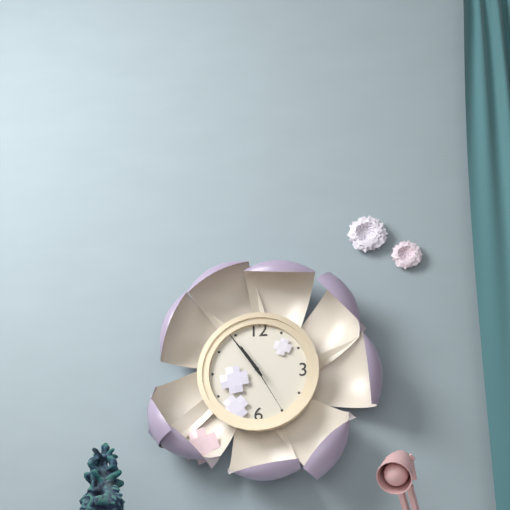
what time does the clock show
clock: 10:54:25
